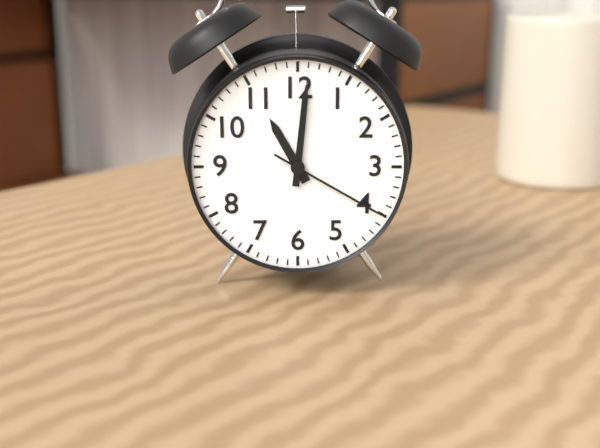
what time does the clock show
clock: 11:01:20
